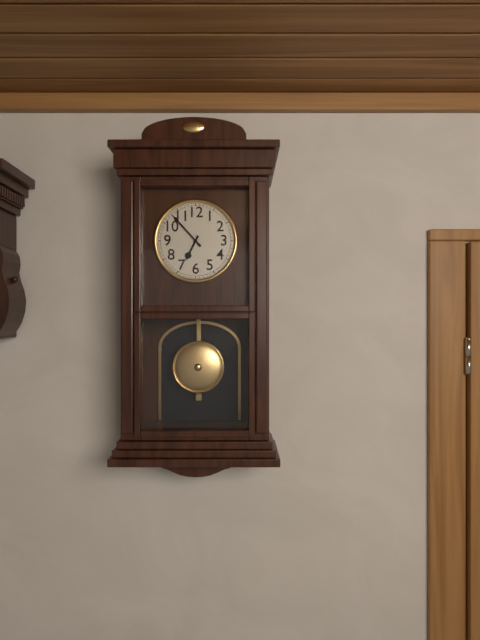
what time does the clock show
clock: 6:53
